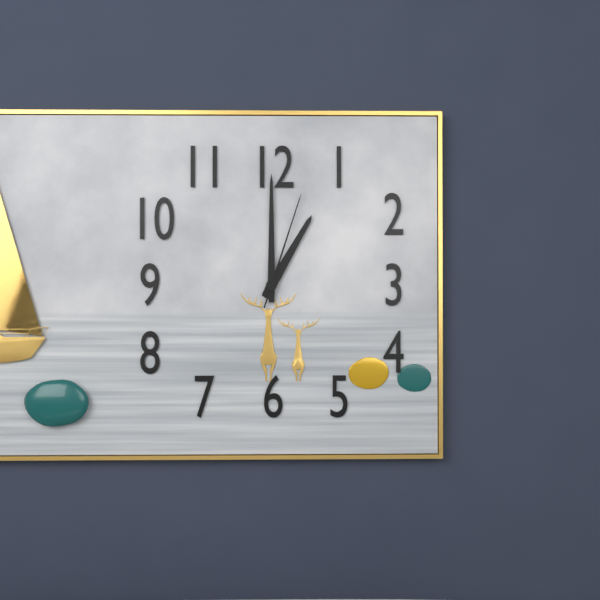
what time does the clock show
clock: 1:00:03
